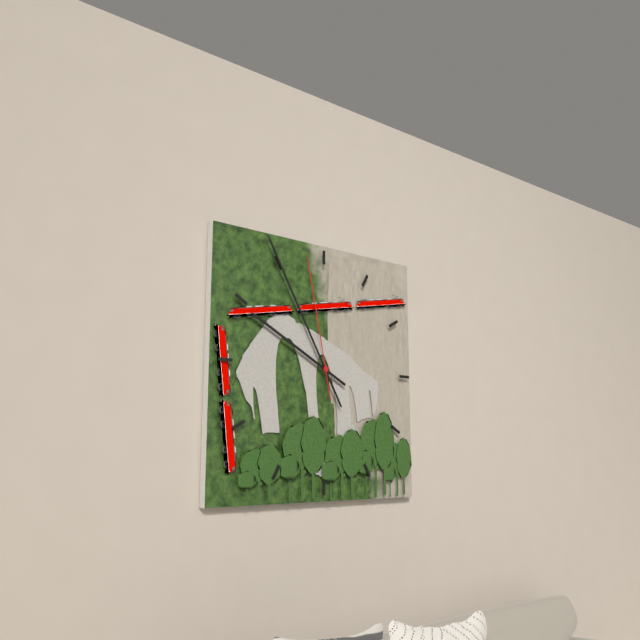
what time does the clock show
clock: 9:55:58
